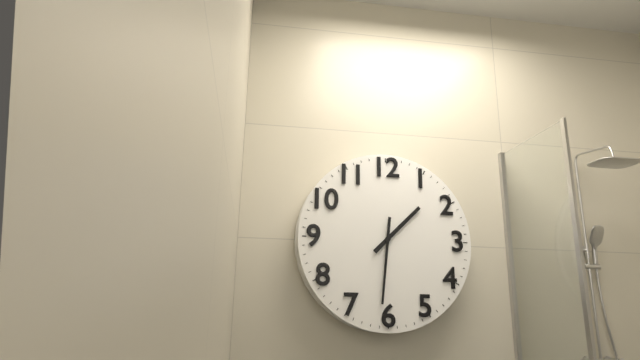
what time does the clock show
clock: 1:31
